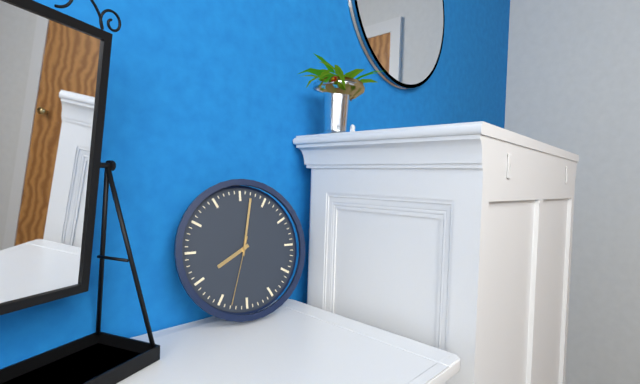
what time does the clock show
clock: 8:02:33
